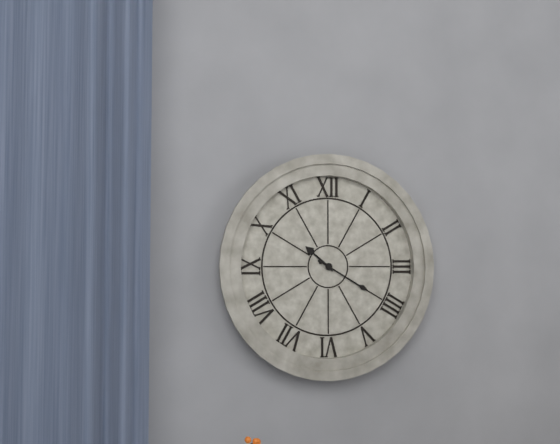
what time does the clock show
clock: 10:20
